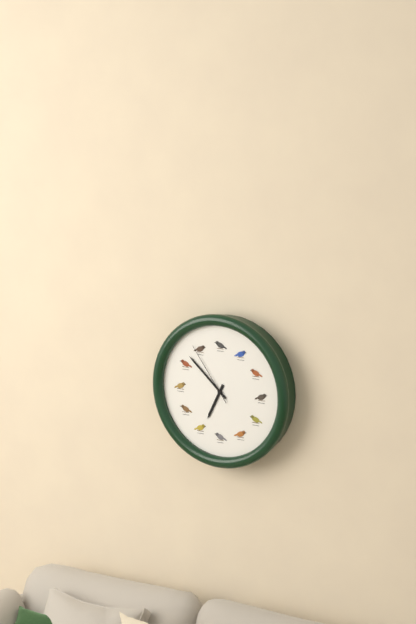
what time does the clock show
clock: 6:52:54
